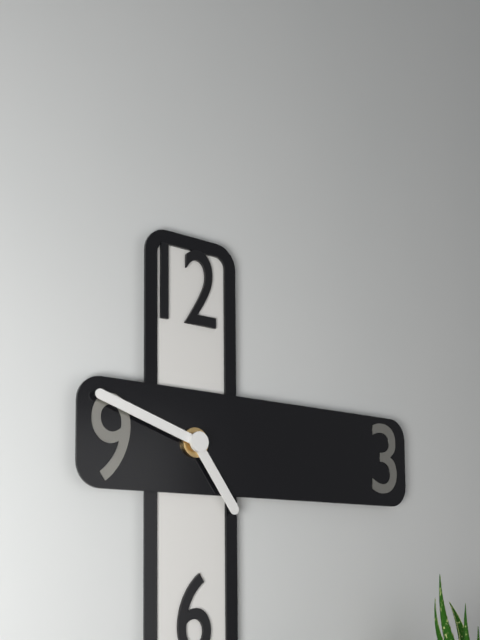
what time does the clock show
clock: 4:48
